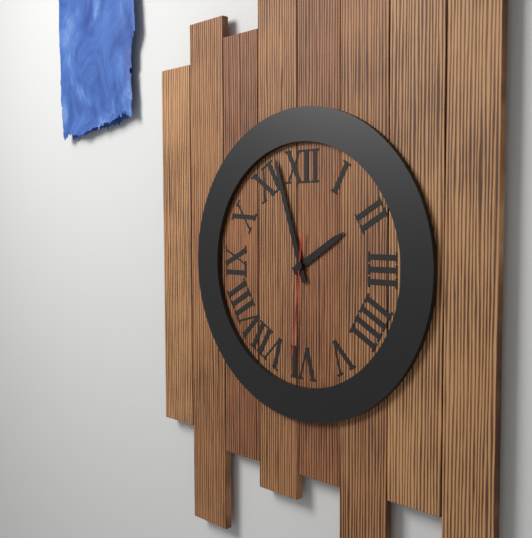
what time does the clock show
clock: 1:57:31
